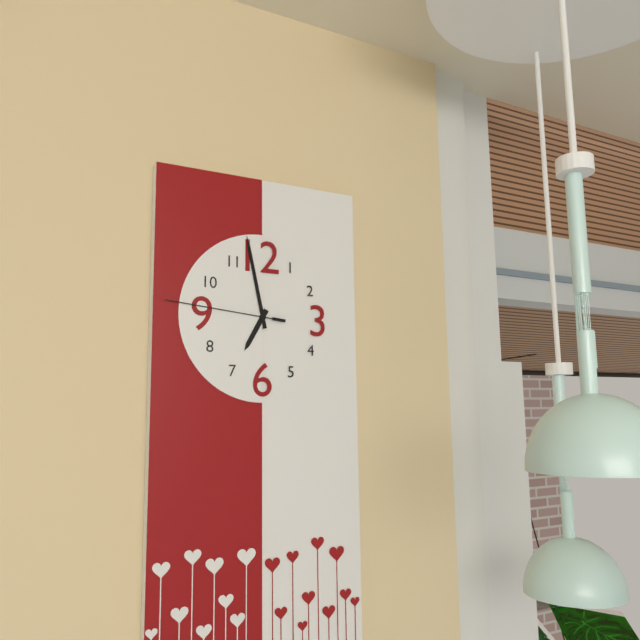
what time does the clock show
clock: 6:58:46
